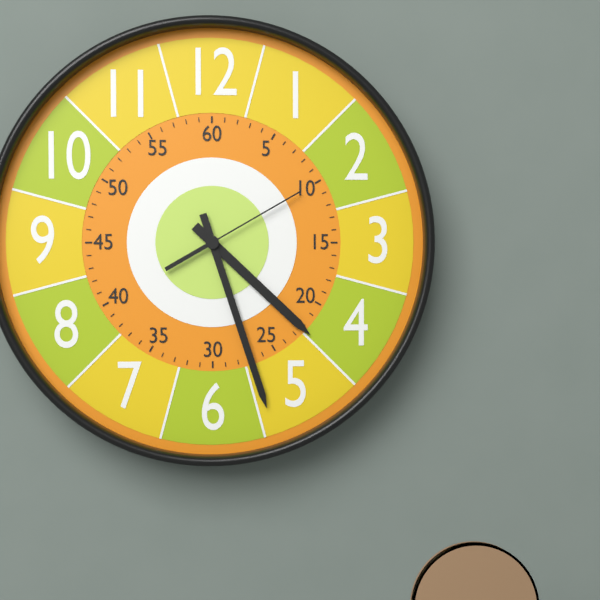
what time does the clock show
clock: 4:27:10
